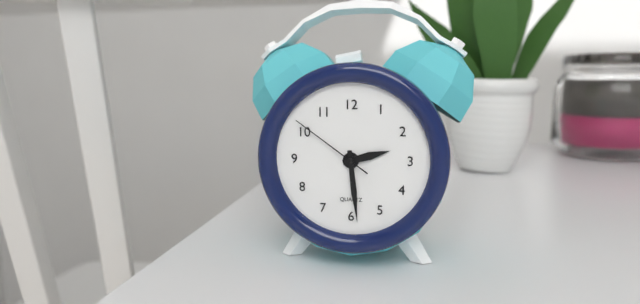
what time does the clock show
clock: 2:29:51
